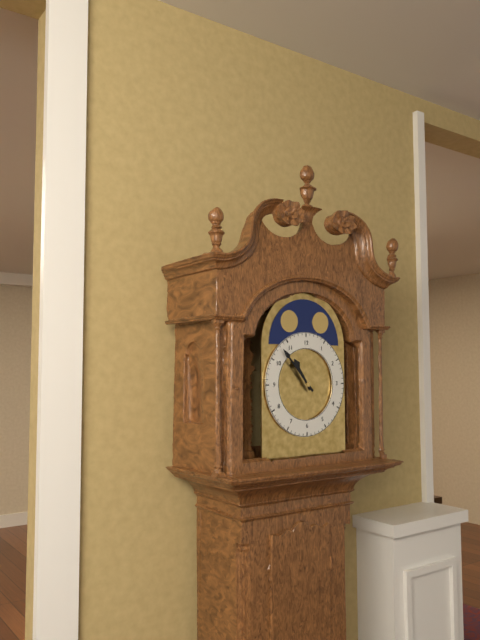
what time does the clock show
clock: 10:53
